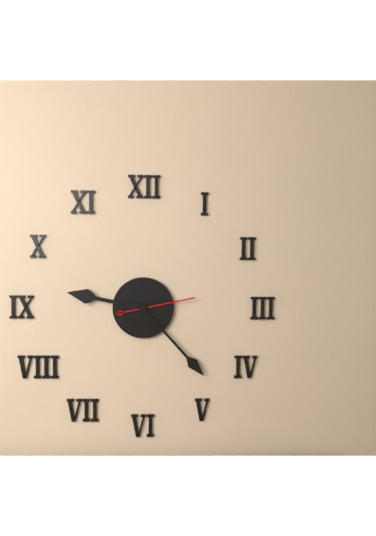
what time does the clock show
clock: 9:23:13
